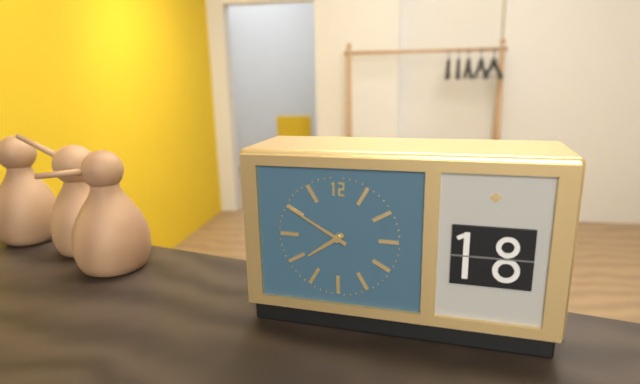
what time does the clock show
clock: 7:50
